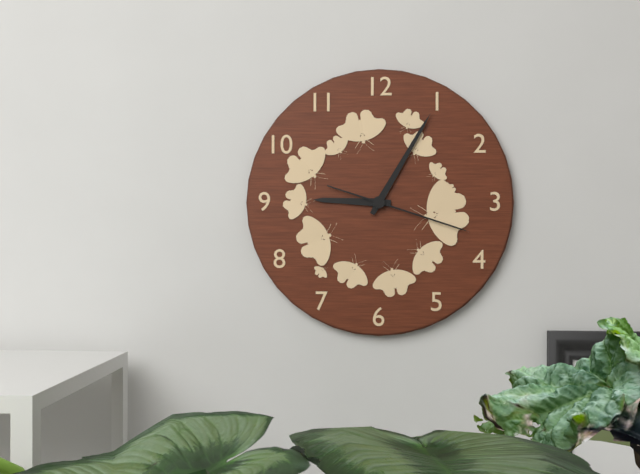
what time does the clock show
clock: 9:05:18
